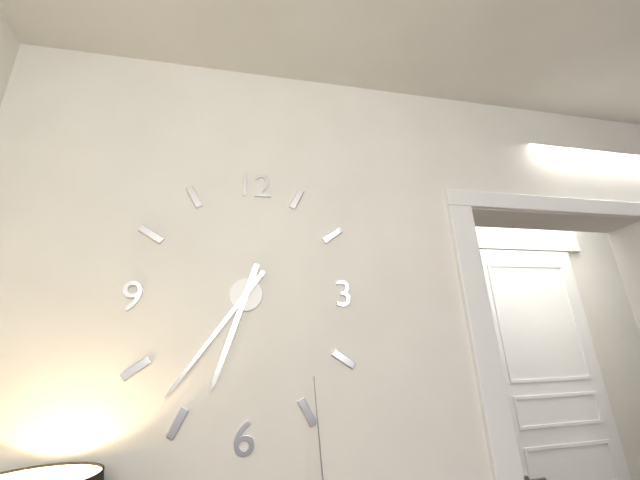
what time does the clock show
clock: 6:36
